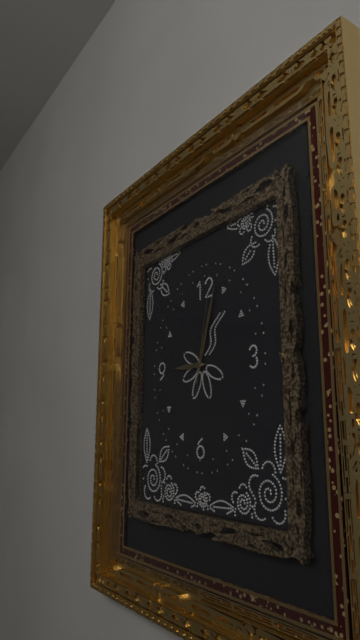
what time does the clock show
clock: 9:03:02
